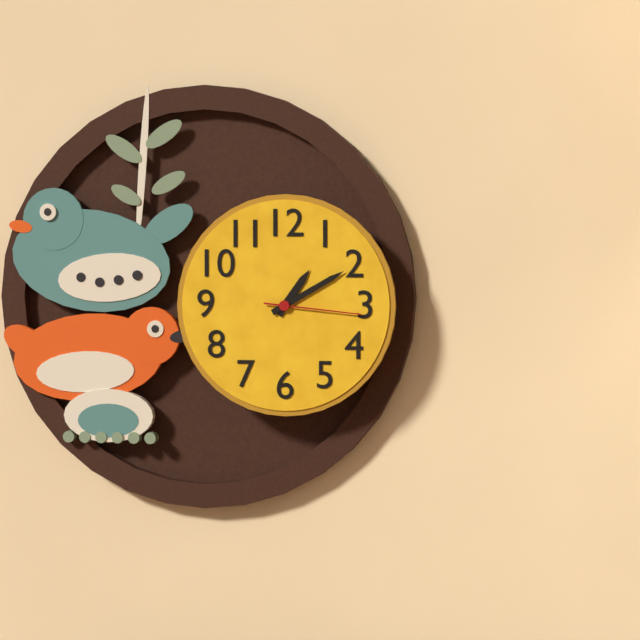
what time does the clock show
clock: 1:10:16
